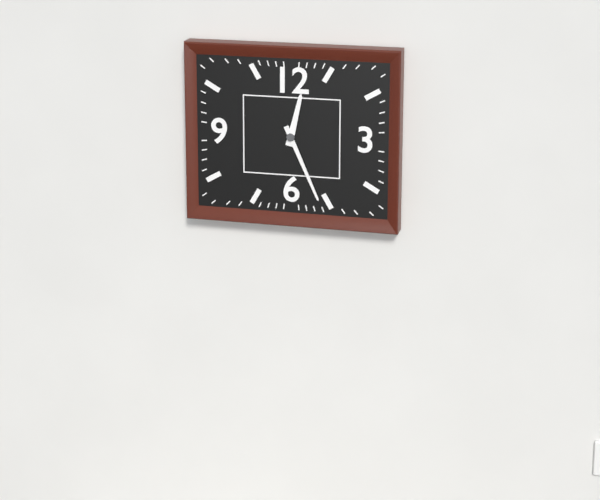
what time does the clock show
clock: 12:26
